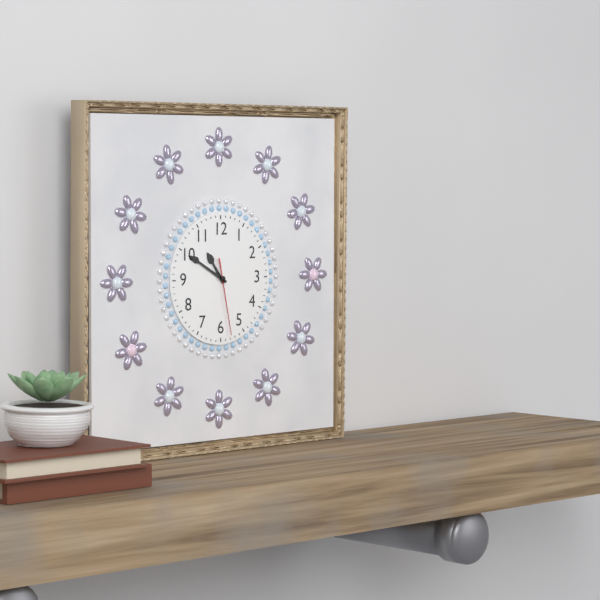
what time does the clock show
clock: 10:50:28
